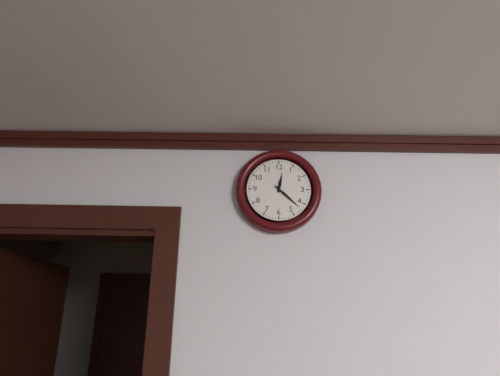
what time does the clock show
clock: 12:22
